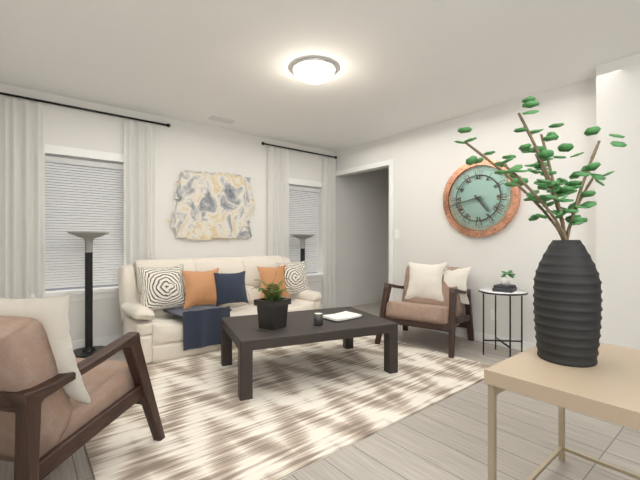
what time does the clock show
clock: 4:43
